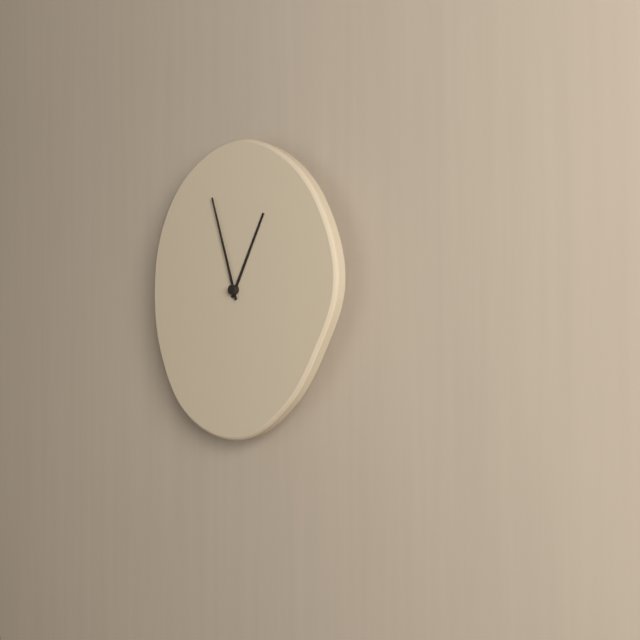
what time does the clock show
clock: 12:57
